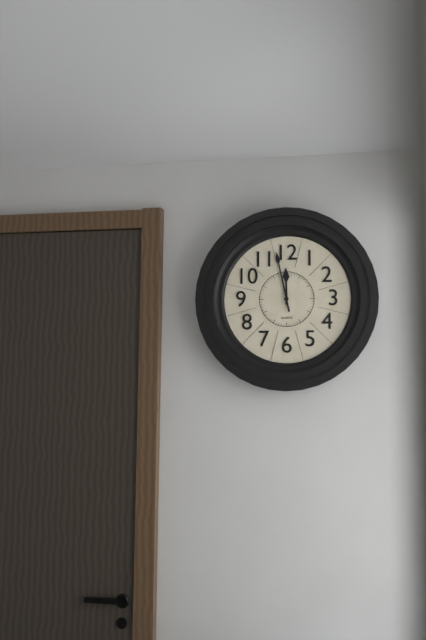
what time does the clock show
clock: 11:58
